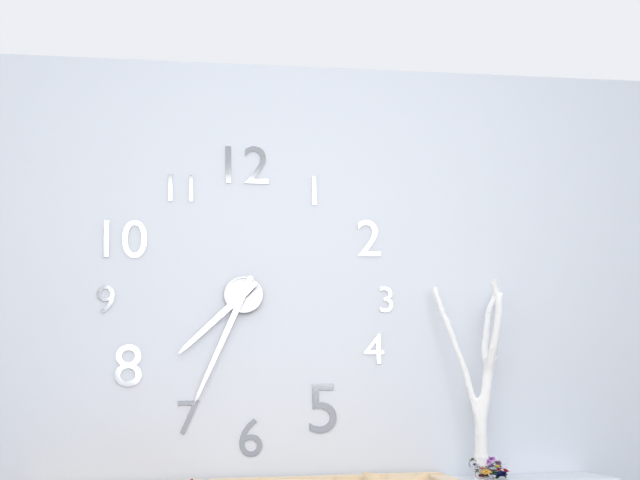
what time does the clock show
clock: 7:34
